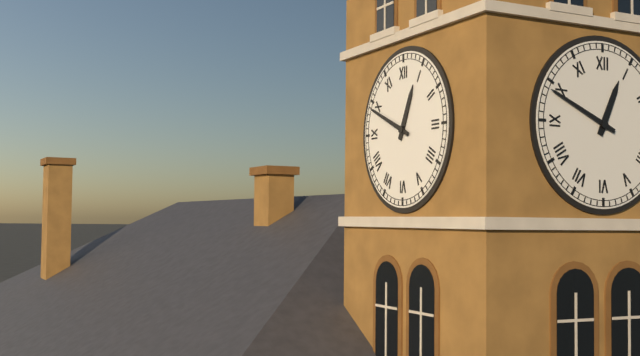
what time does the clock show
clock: 12:49
